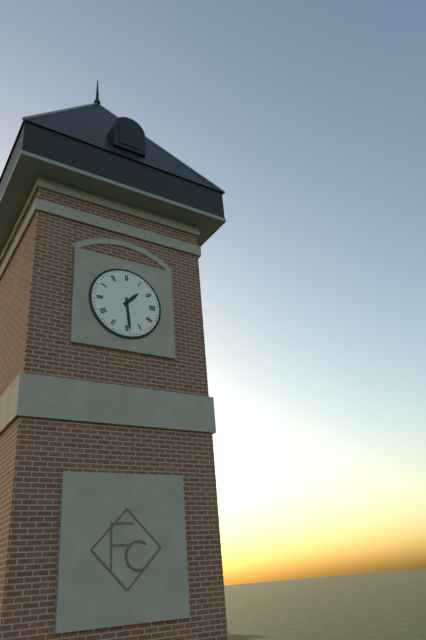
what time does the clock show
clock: 1:29
